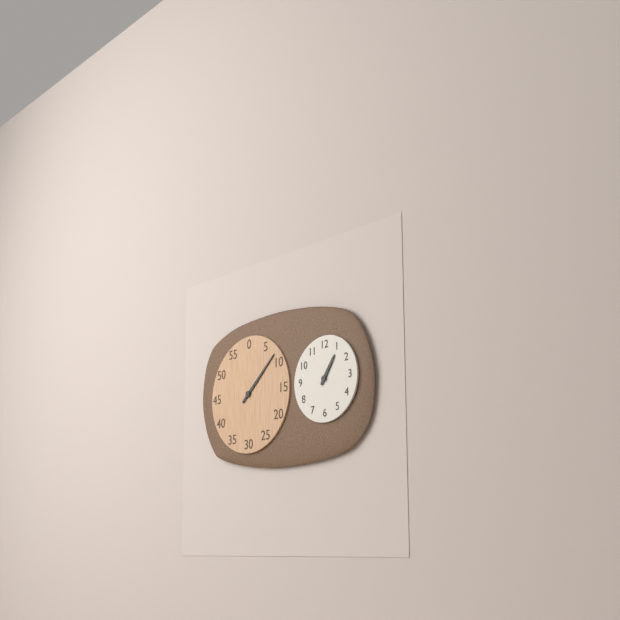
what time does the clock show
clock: 1:08
